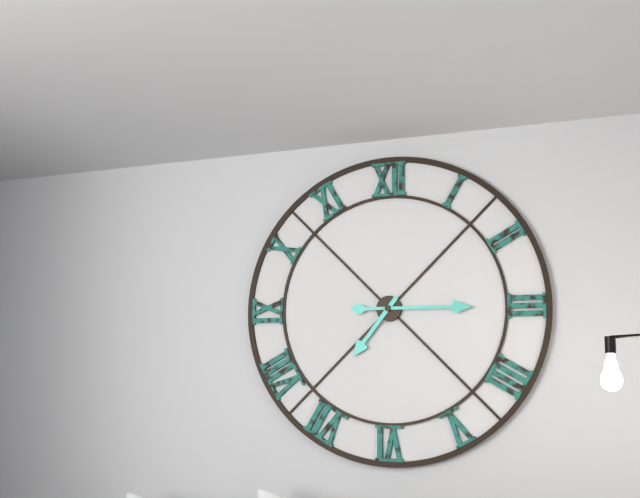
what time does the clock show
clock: 7:15
